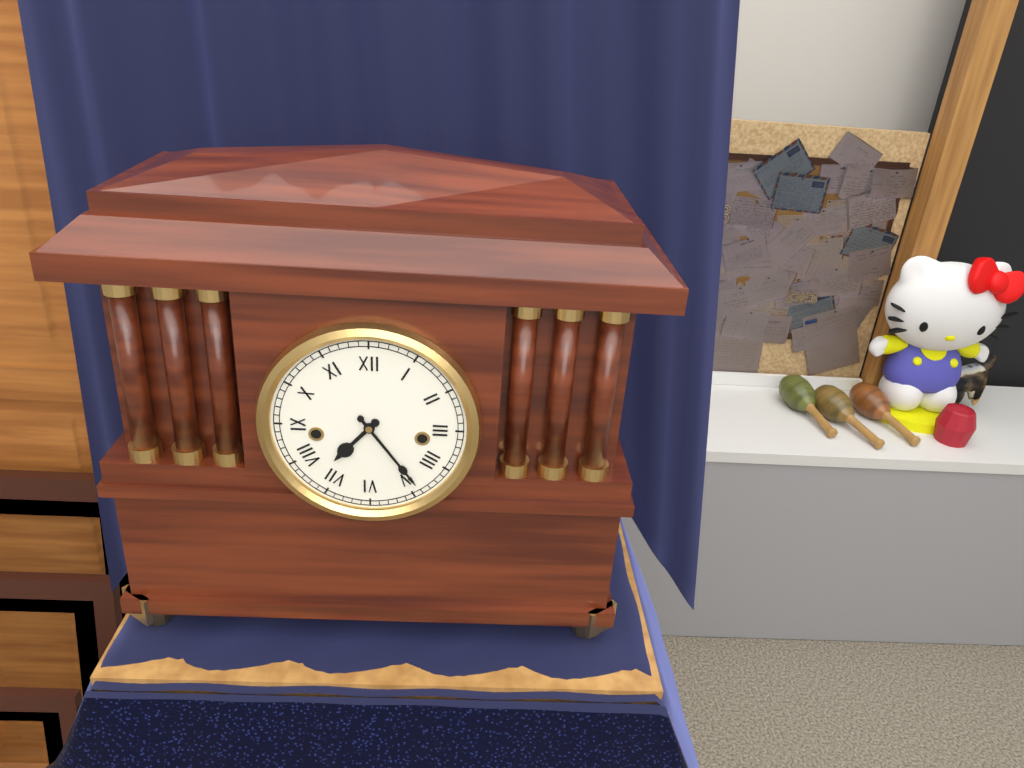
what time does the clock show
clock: 7:24
